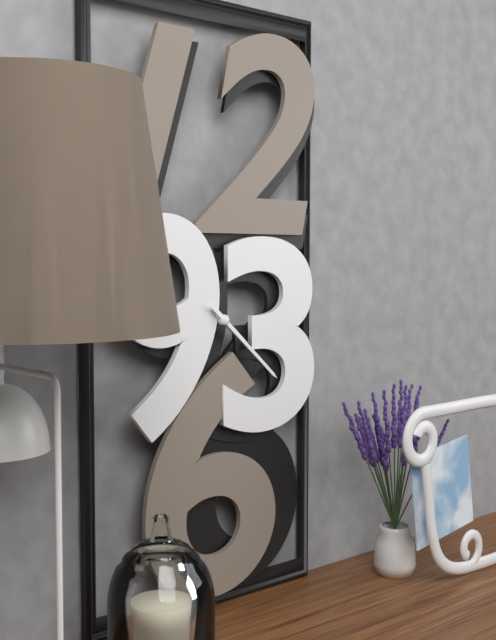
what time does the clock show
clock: 4:22
